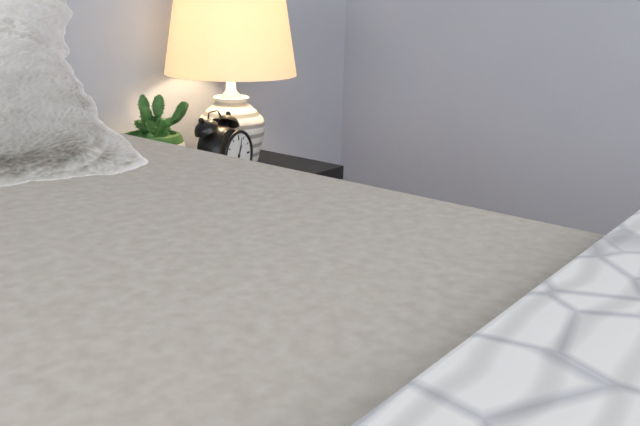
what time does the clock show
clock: 1:03
